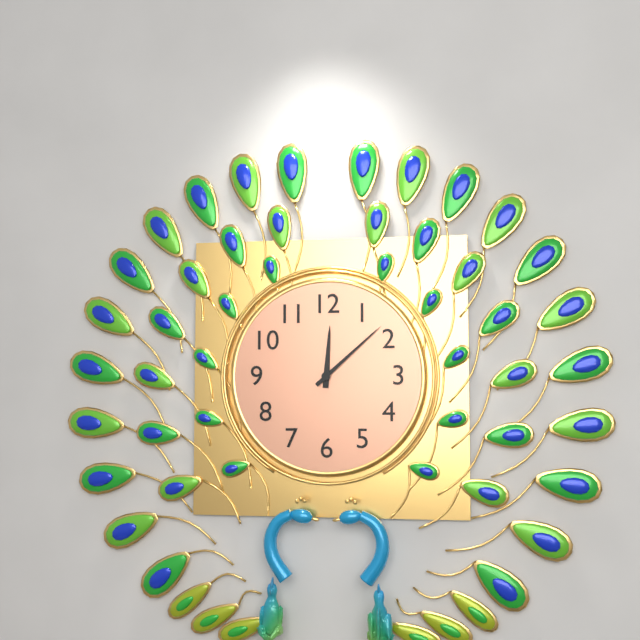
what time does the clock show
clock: 12:08
